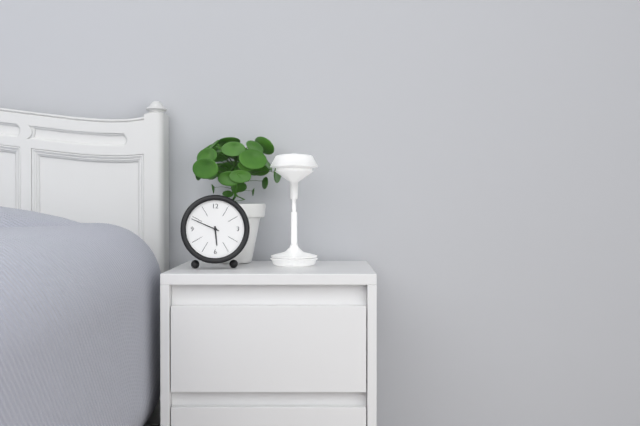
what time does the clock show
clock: 5:49
